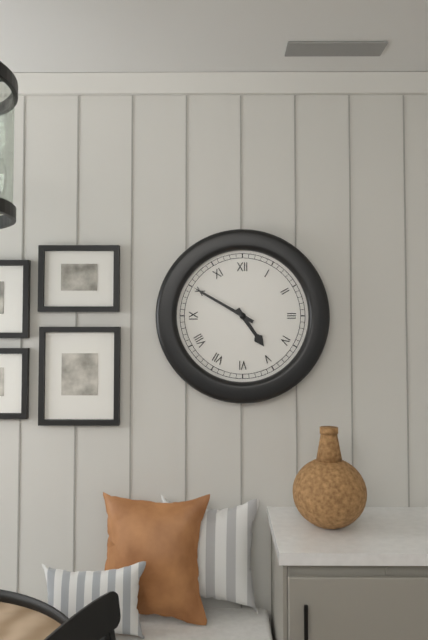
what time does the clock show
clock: 4:50
